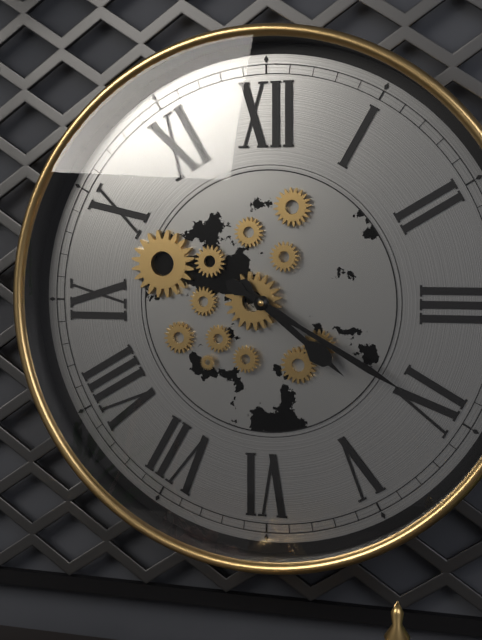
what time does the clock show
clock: 4:20
